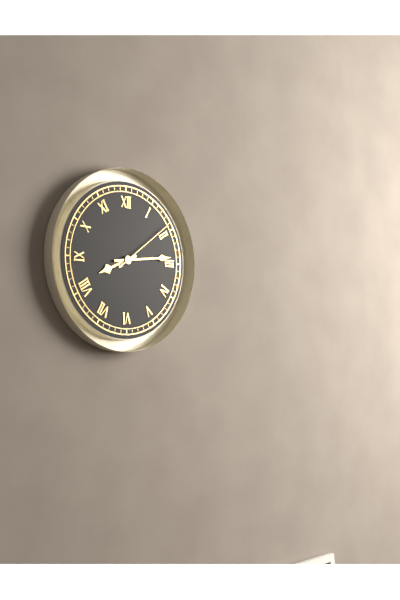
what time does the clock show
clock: 8:14:09
